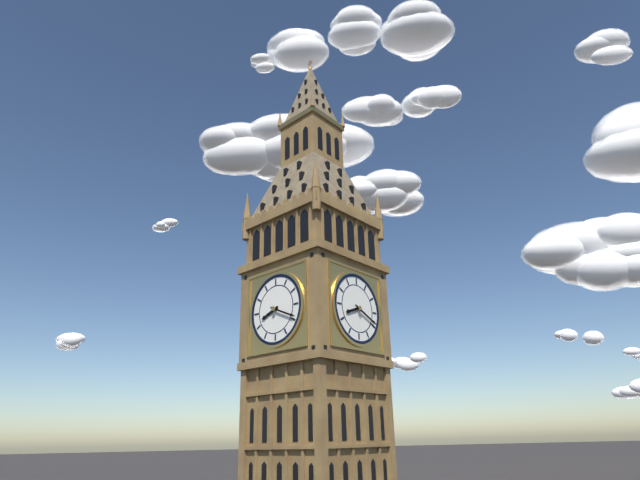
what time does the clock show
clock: 8:19
